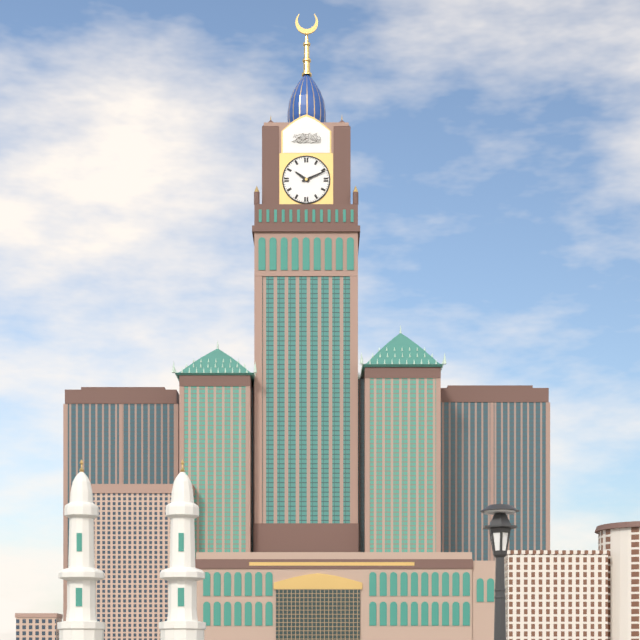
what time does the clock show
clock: 10:11
